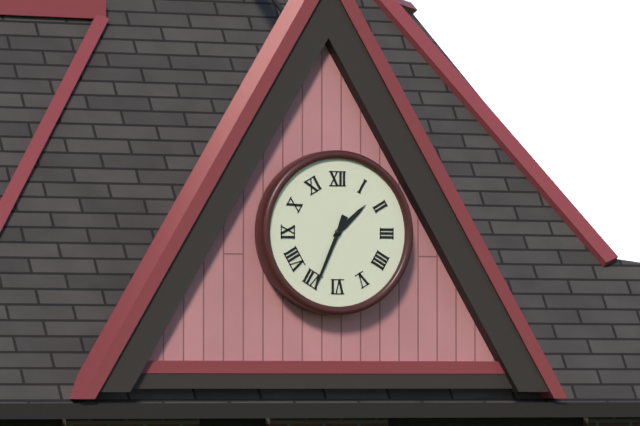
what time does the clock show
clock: 1:34
